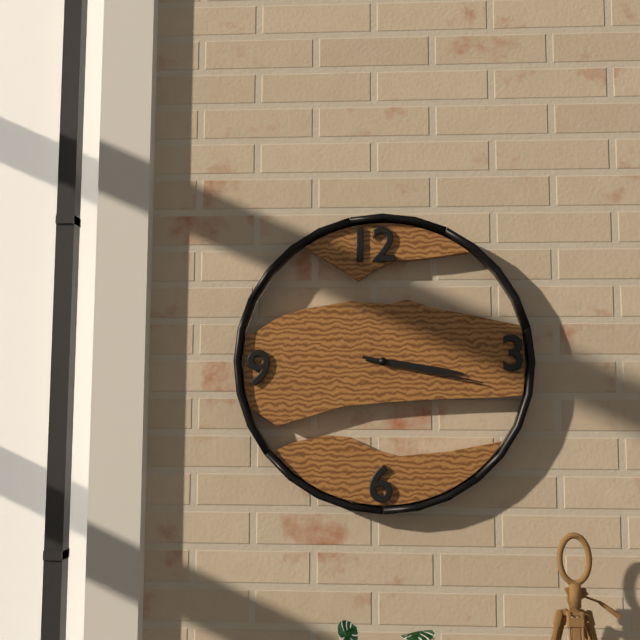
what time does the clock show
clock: 3:17
